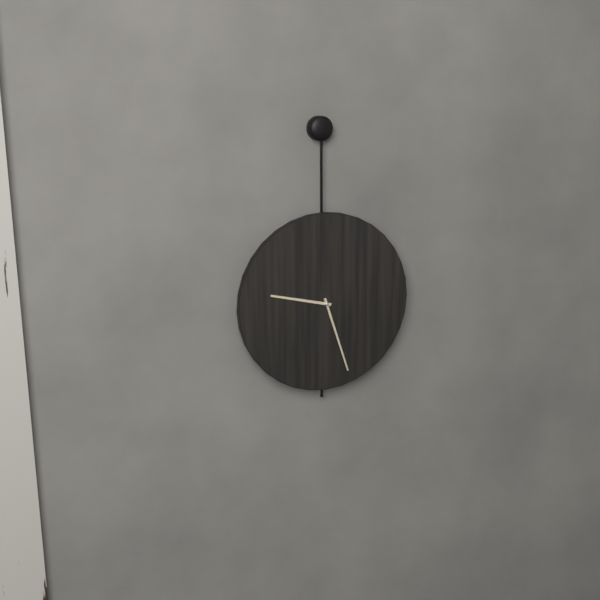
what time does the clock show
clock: 9:27
